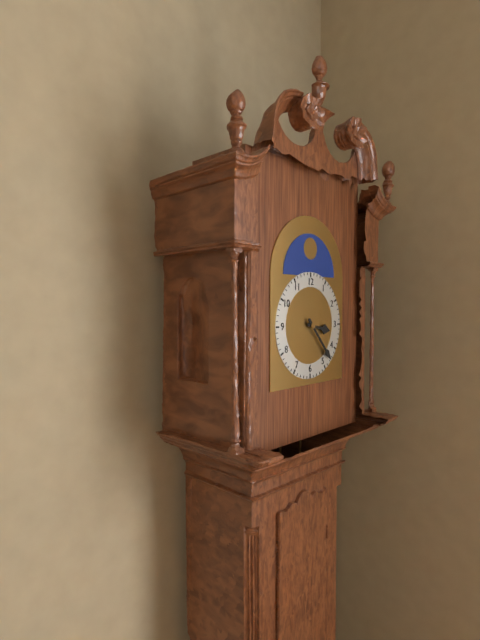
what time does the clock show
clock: 3:23
